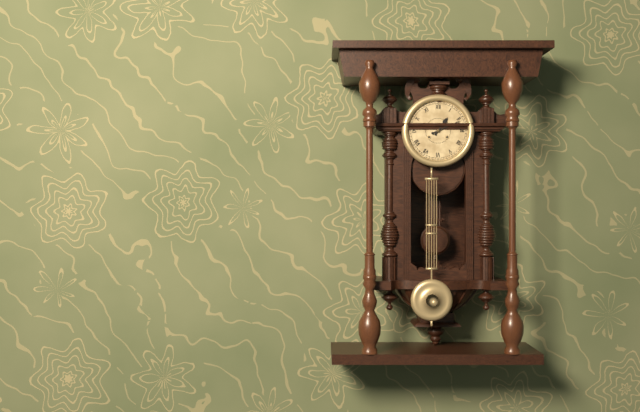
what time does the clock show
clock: 1:11
